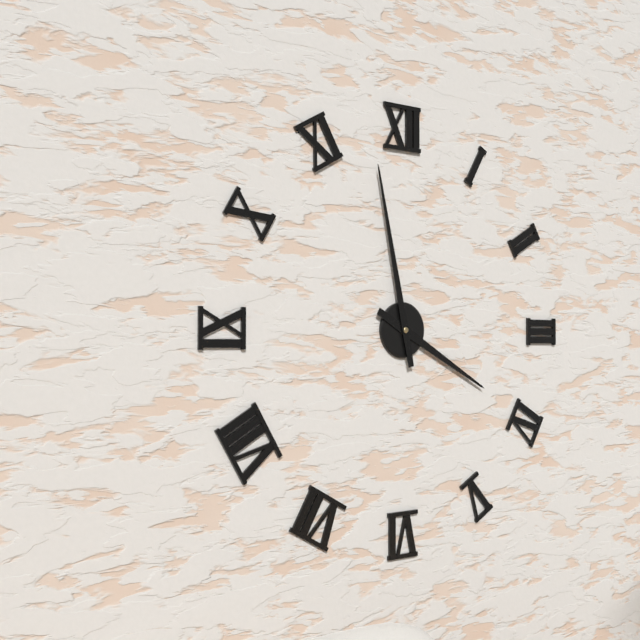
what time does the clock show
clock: 3:58
